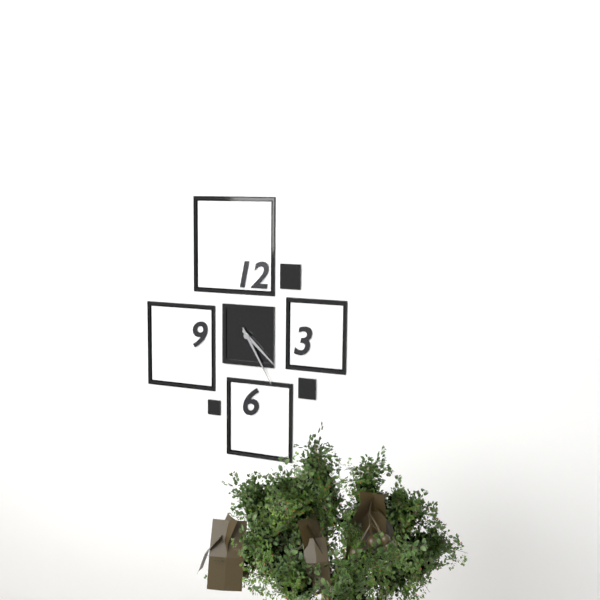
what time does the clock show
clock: 4:25
